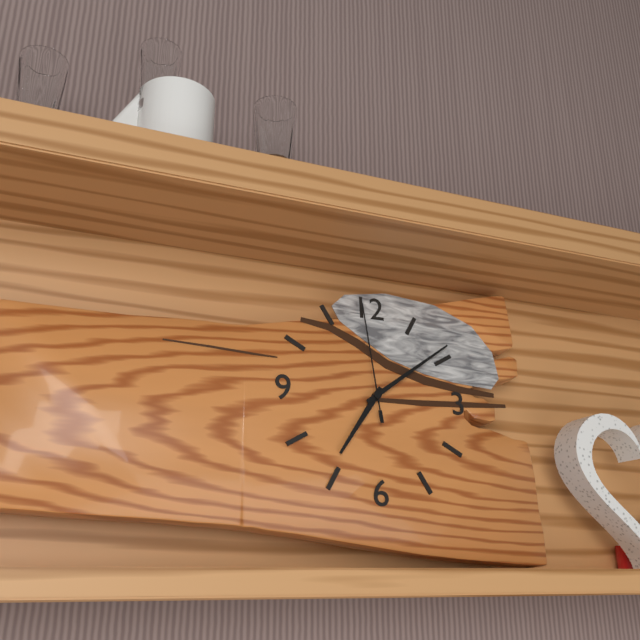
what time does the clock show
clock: 7:09:59
